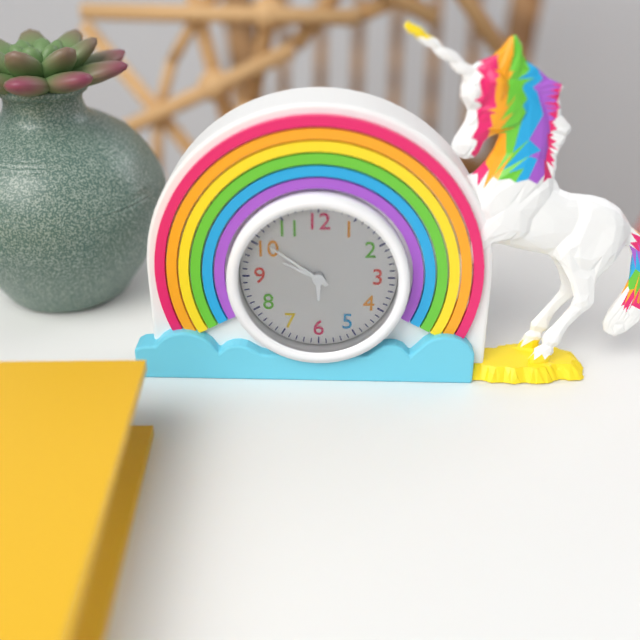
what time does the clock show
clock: 9:51
